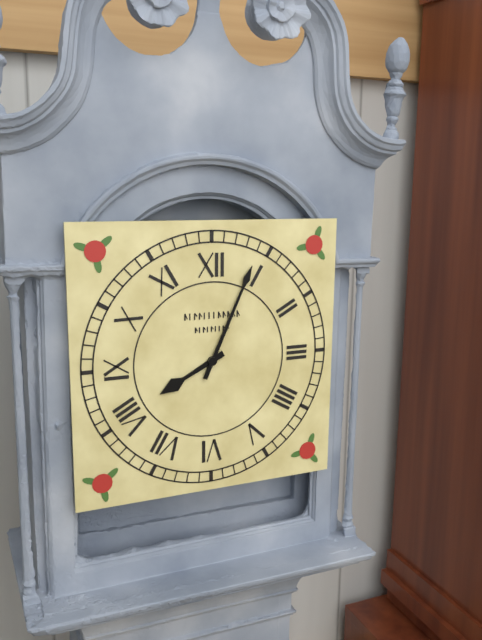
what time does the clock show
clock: 8:04
